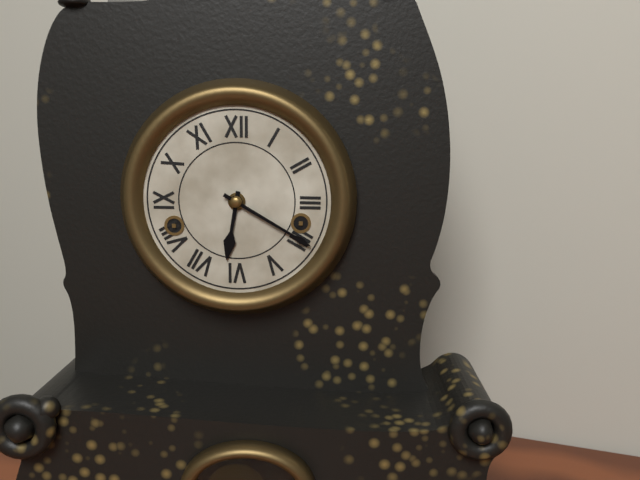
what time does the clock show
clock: 6:20
